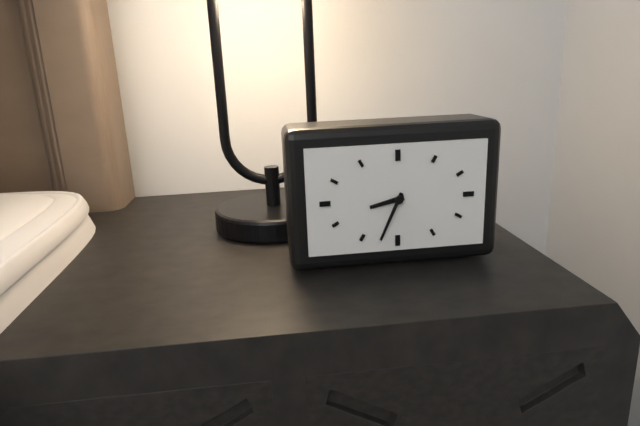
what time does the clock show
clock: 8:34
